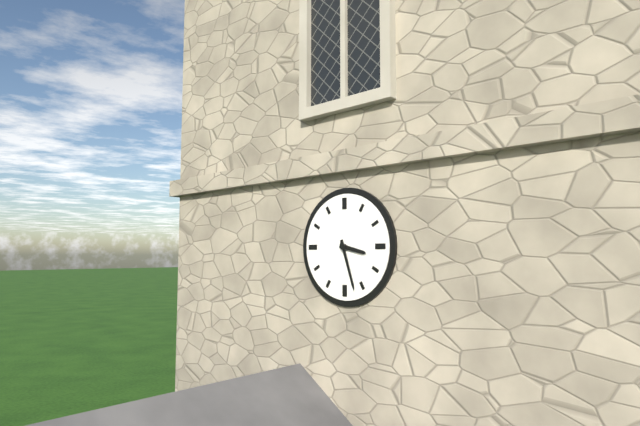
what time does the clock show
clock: 3:27
